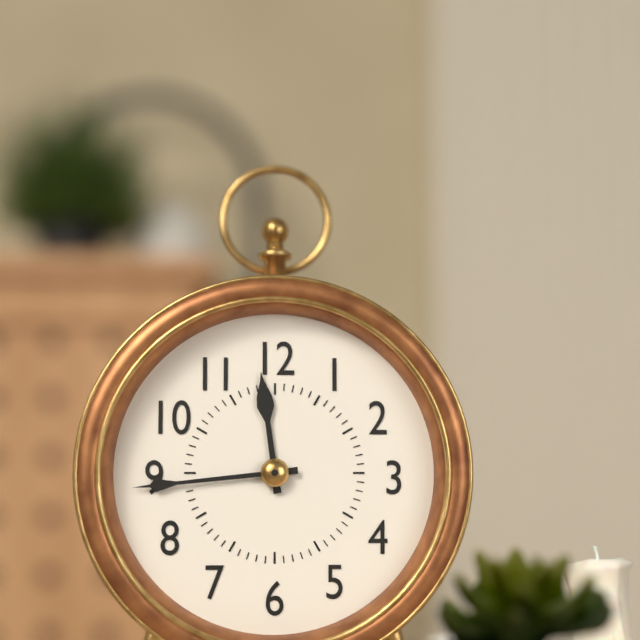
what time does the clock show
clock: 11:44
